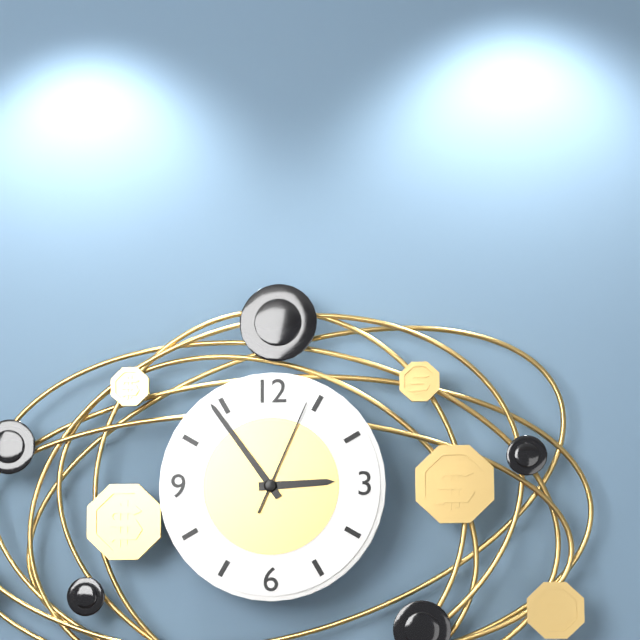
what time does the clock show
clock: 2:54:04
